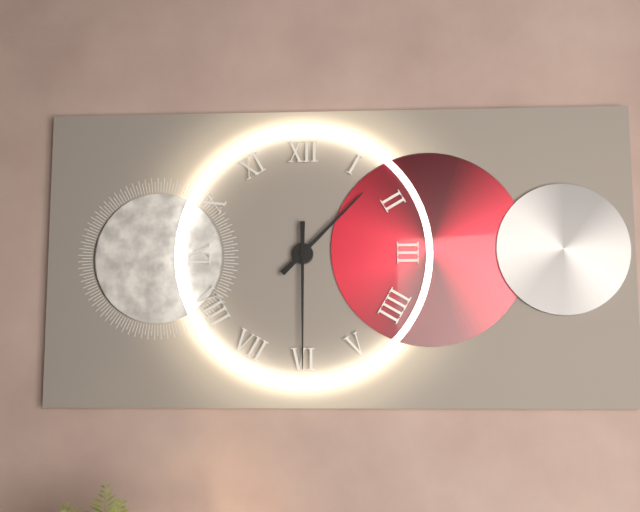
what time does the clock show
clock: 1:30
